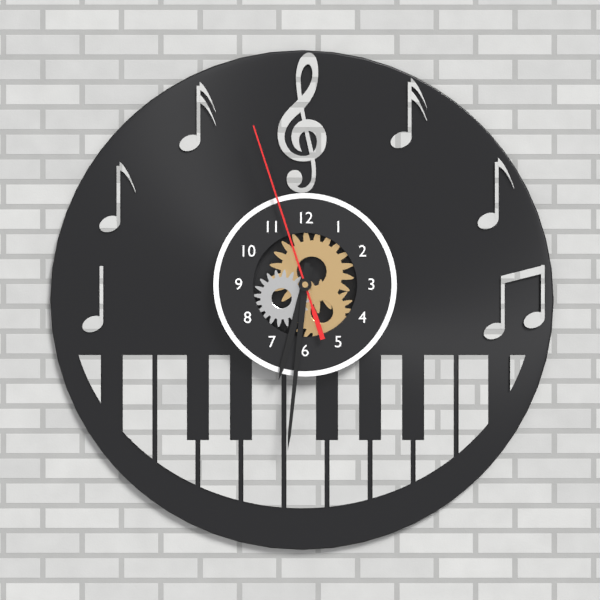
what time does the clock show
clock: 6:31:57
